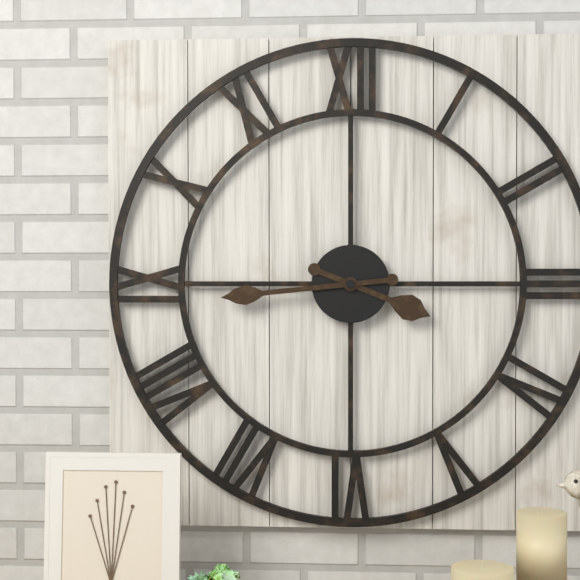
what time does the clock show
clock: 3:44
